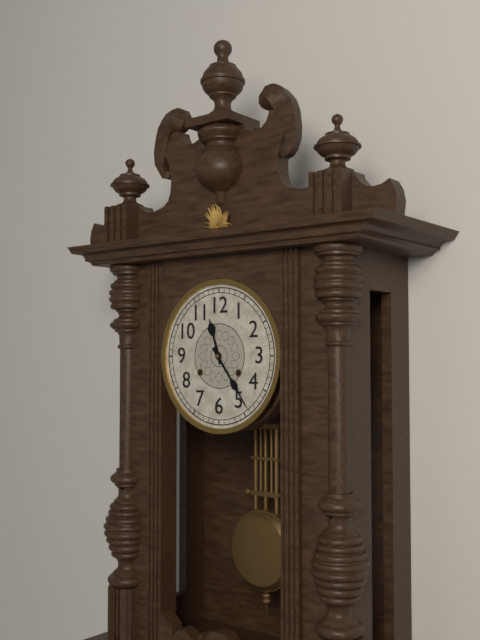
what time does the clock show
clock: 11:24
